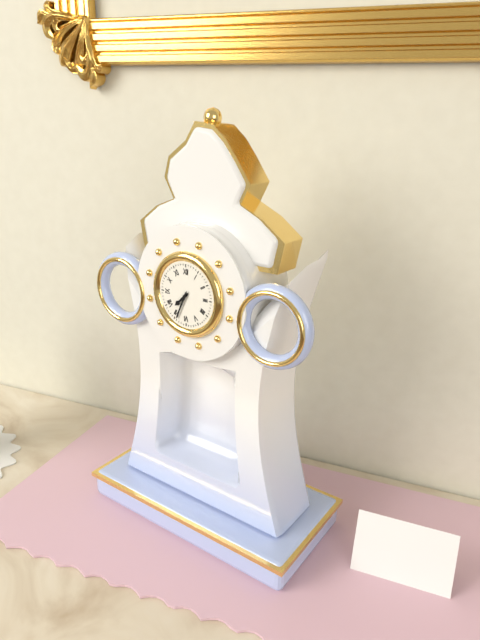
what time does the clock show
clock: 7:34
